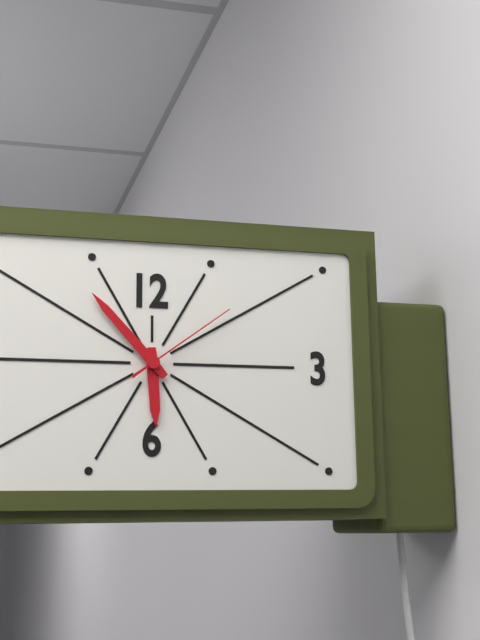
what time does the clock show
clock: 5:53:09
